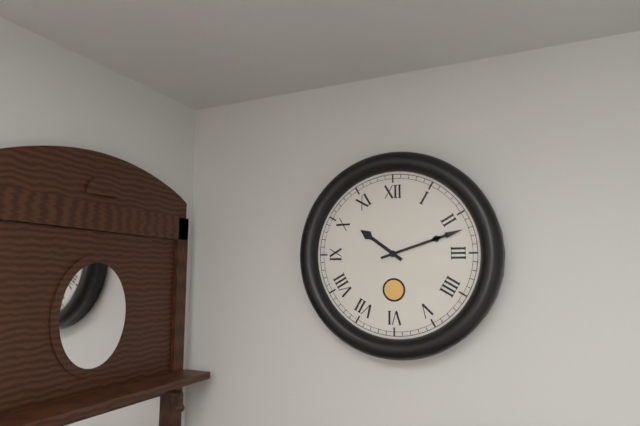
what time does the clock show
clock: 10:12
